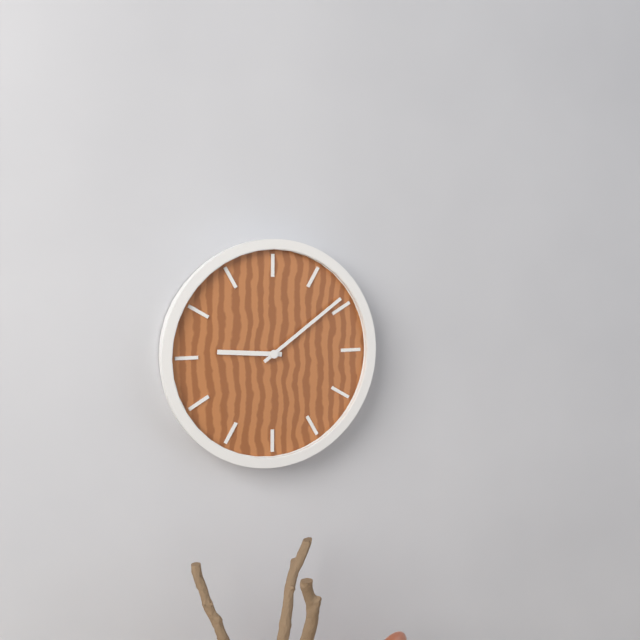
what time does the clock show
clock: 9:09
